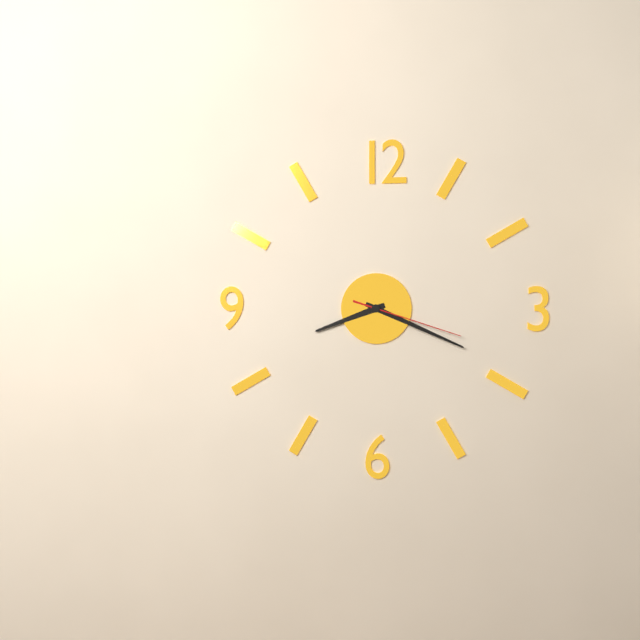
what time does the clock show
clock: 8:19:18
